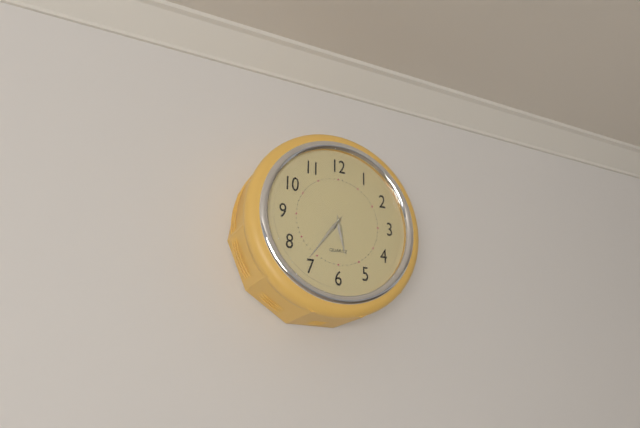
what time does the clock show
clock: 5:36
